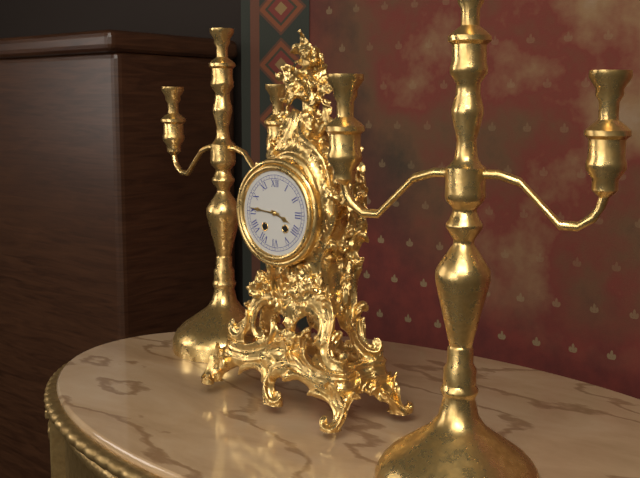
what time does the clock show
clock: 3:46
